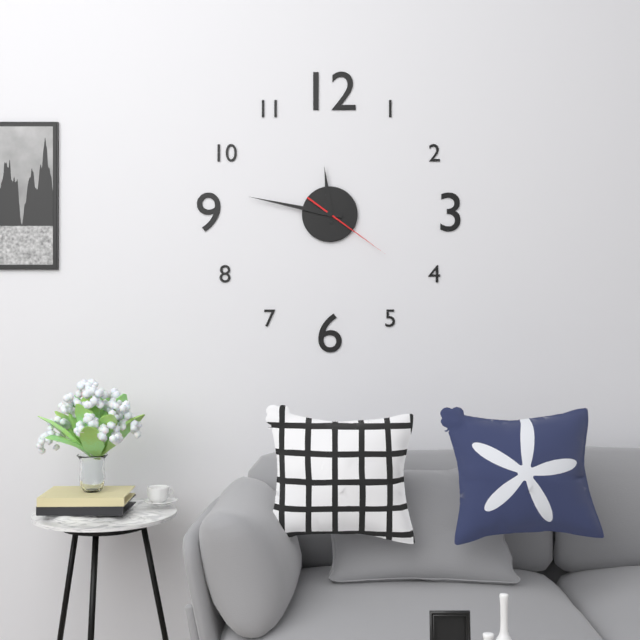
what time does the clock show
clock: 11:47:21
